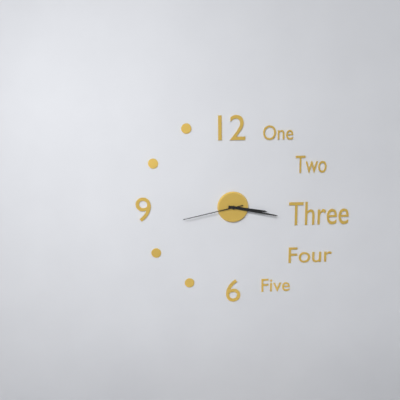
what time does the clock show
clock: 3:17:43
